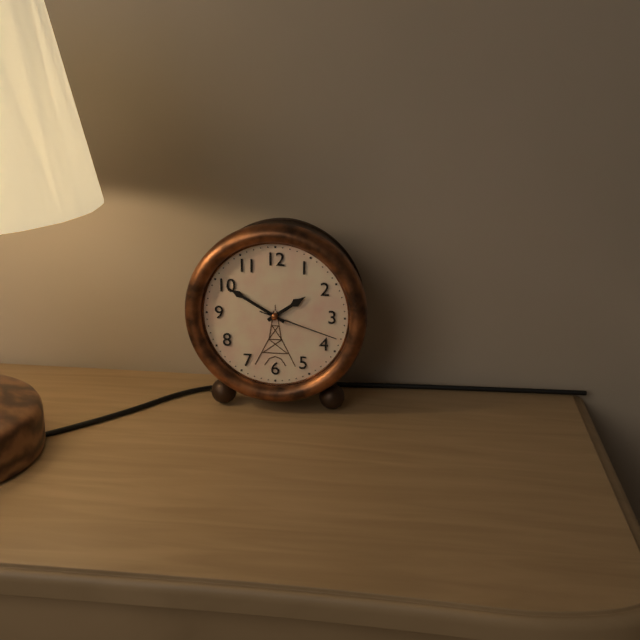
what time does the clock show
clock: 1:50:18
